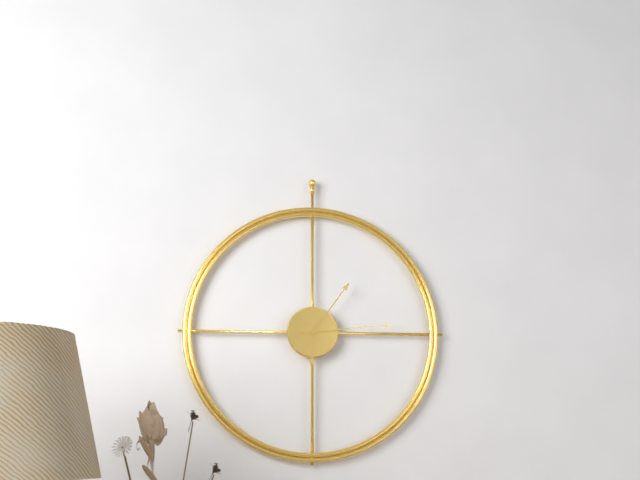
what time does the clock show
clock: 6:06:14
